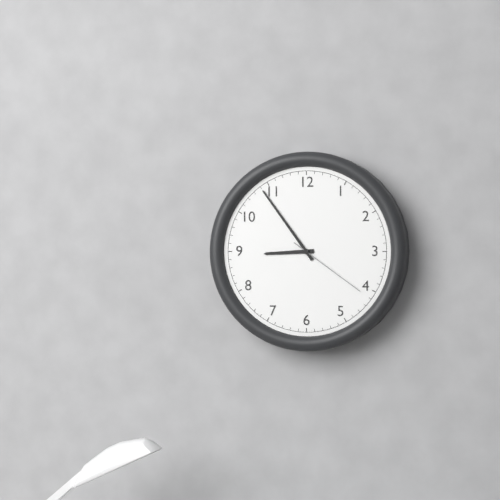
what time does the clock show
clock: 8:54:21
